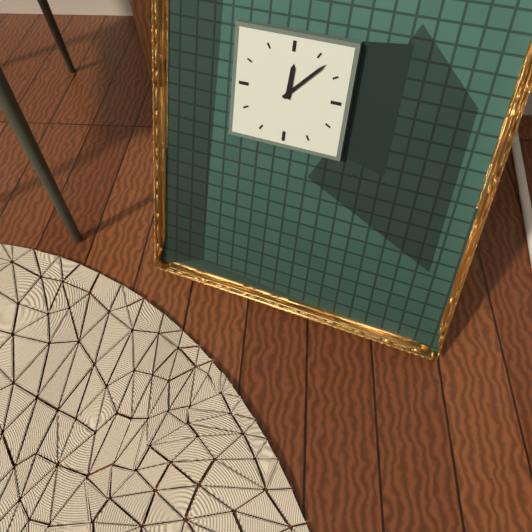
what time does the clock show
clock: 12:07
